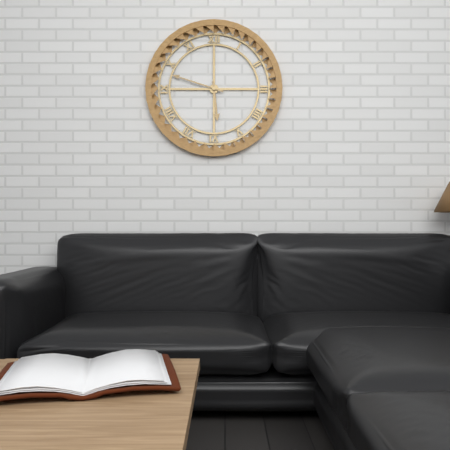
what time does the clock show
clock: 5:48
